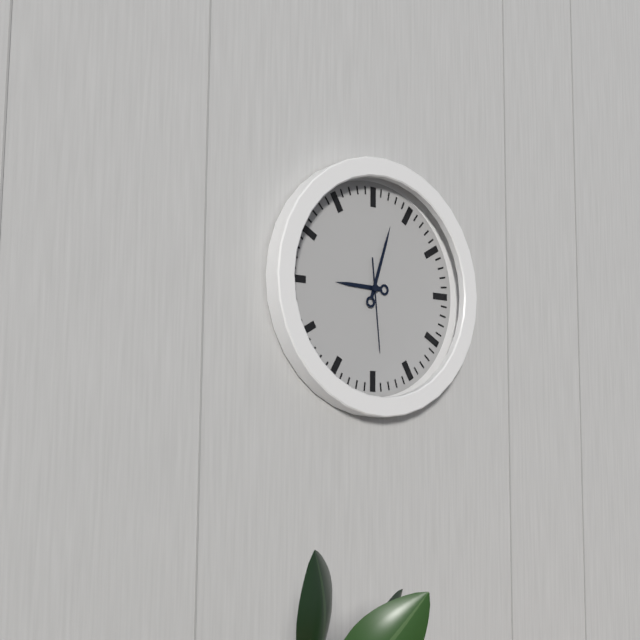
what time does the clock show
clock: 9:03:29
